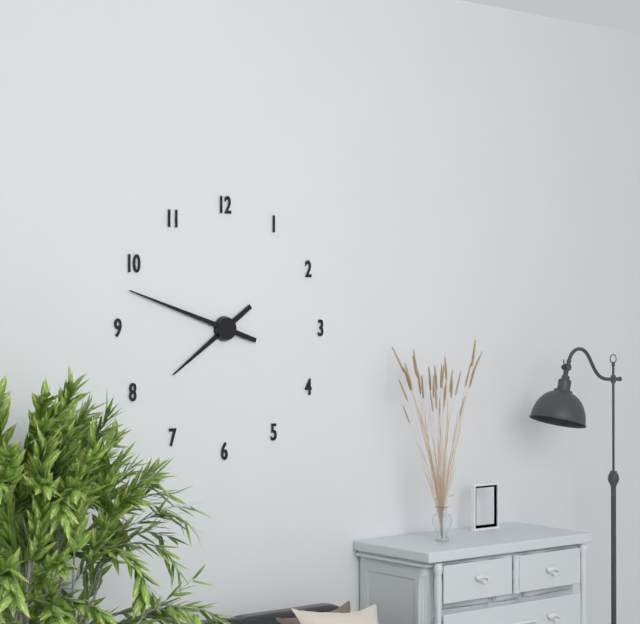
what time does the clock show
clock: 7:48
